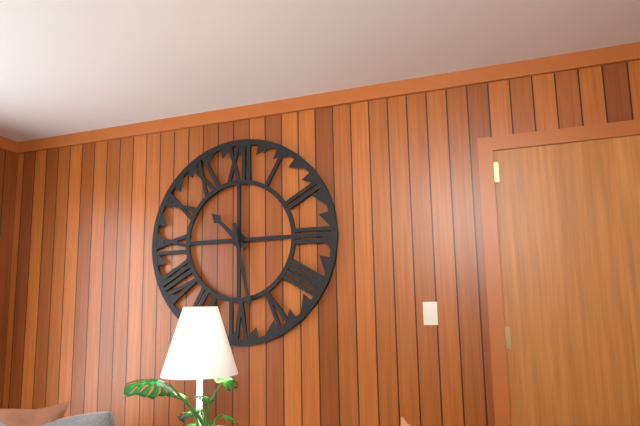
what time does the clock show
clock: 10:28
